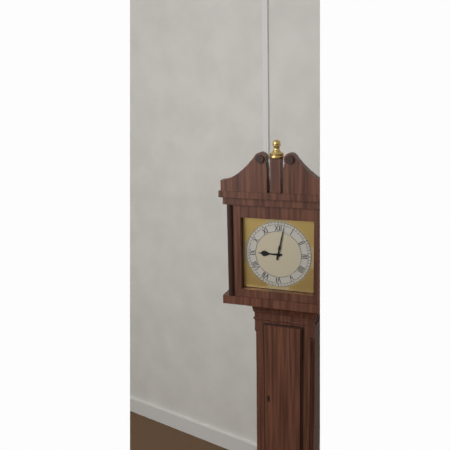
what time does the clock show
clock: 9:02
